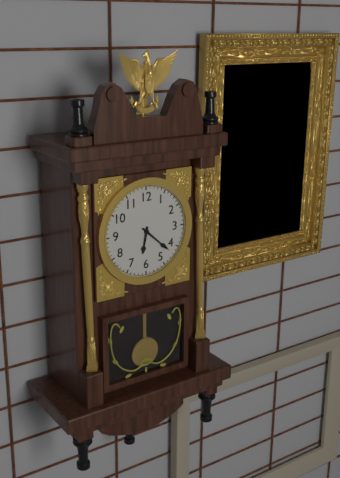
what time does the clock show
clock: 6:22
